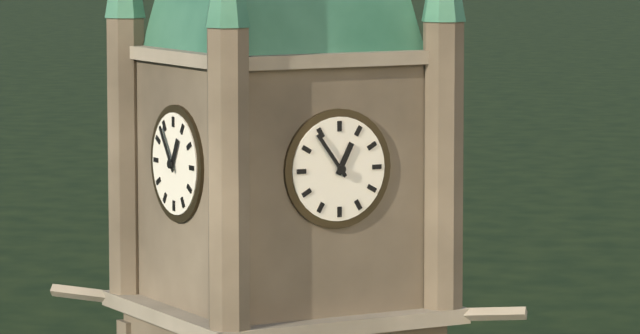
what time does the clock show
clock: 12:54
